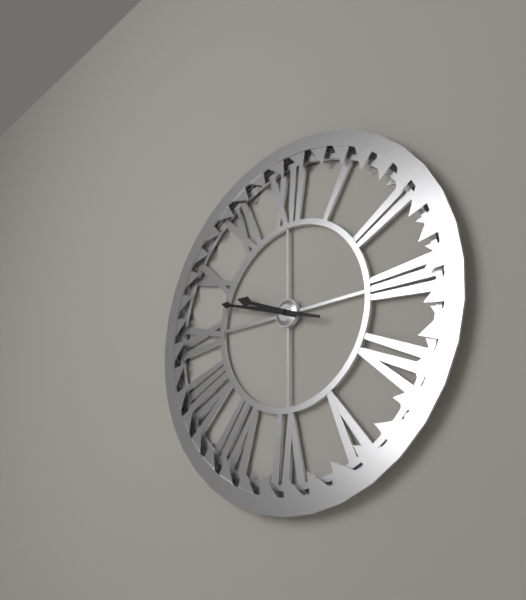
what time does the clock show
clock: 9:48
